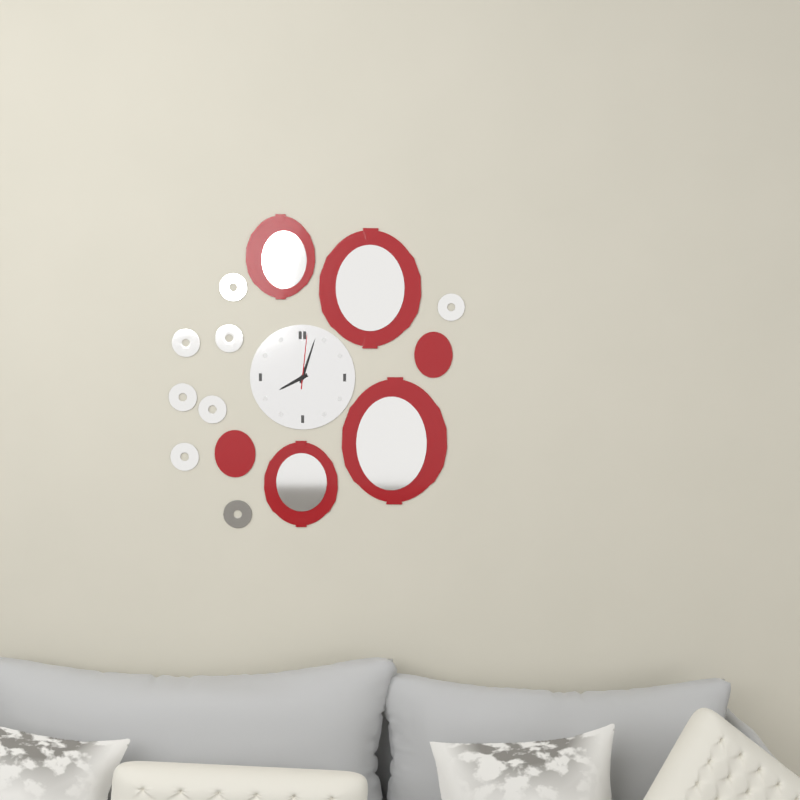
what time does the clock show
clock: 8:03:01
